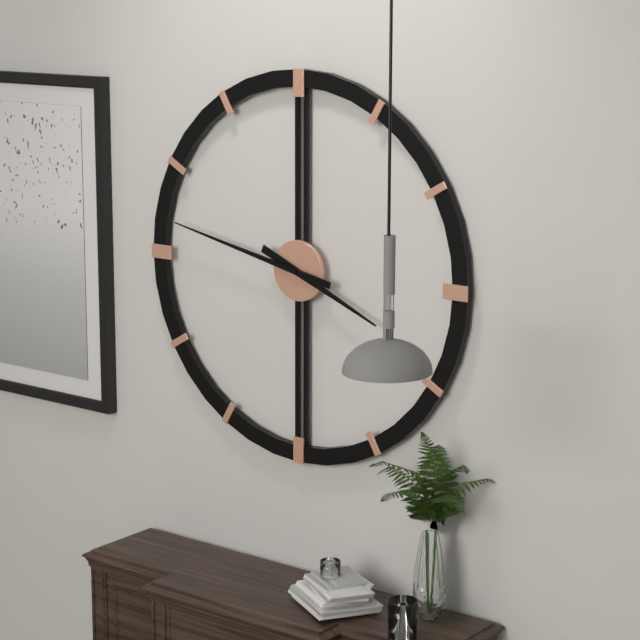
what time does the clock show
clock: 3:47
